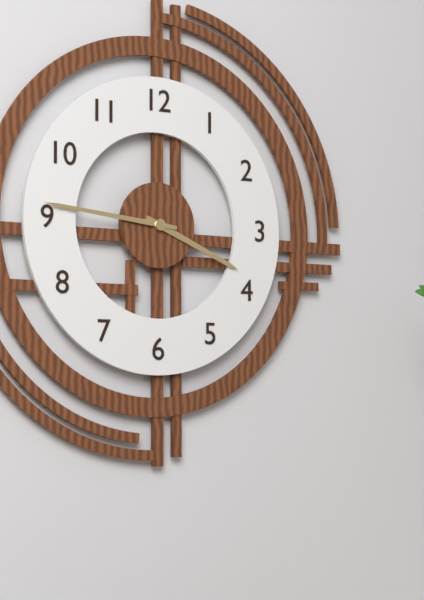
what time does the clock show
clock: 3:46
